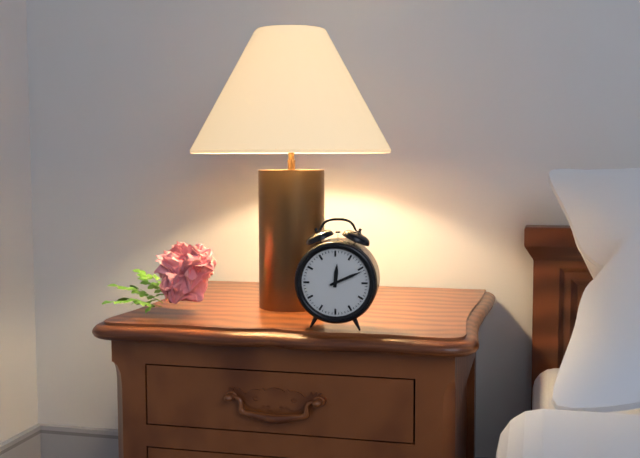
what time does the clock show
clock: 12:11
